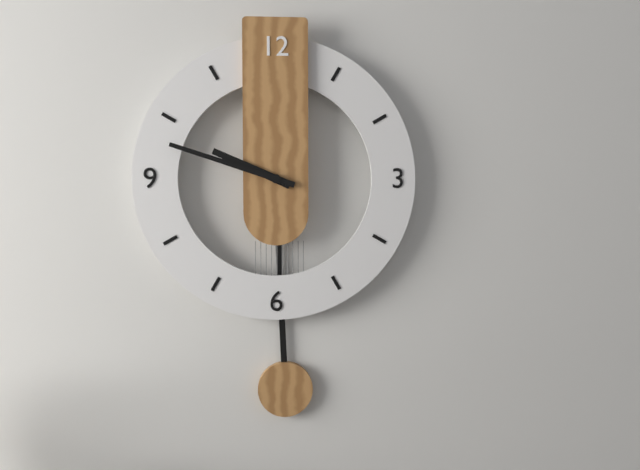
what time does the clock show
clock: 9:48
